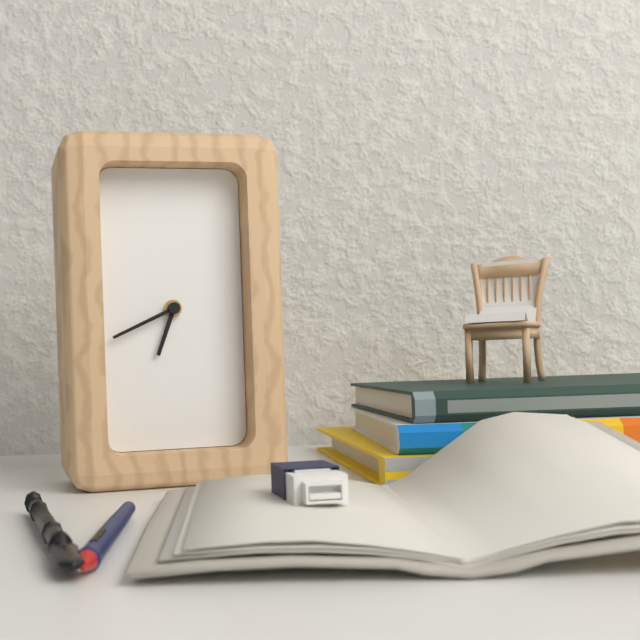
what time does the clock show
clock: 6:41
